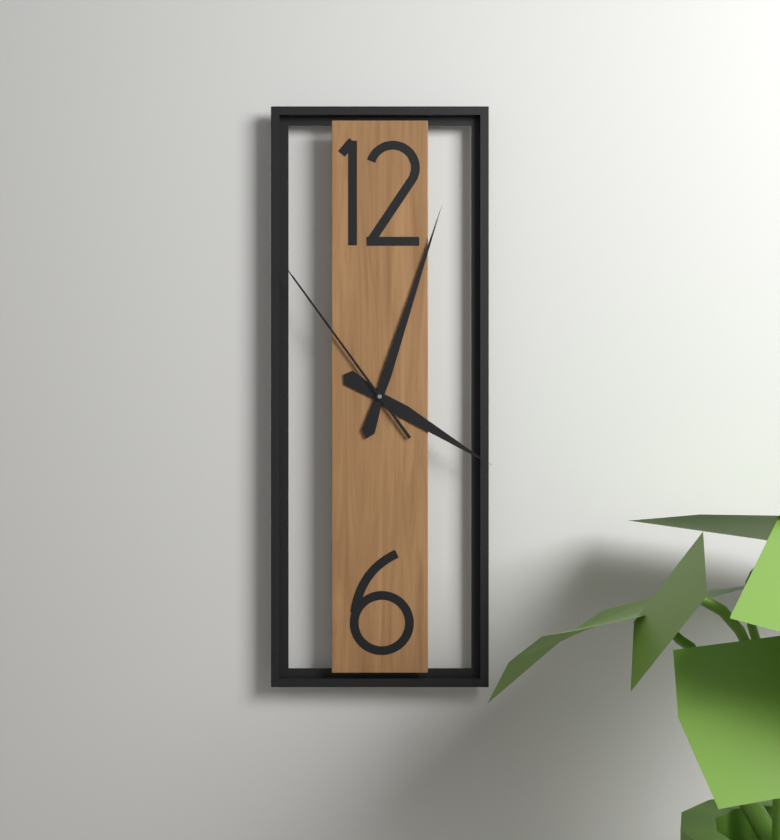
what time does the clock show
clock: 4:03:54
